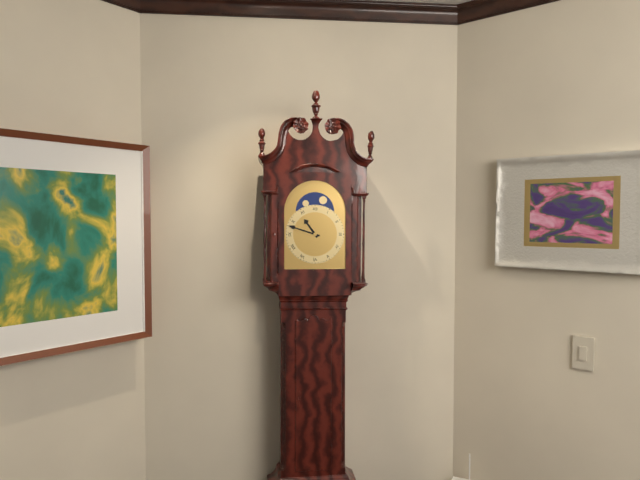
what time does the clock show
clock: 10:48
